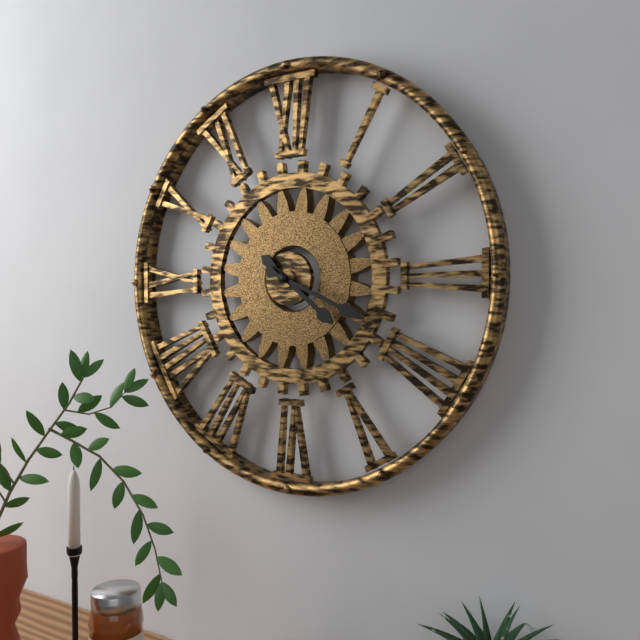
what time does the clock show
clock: 4:19
